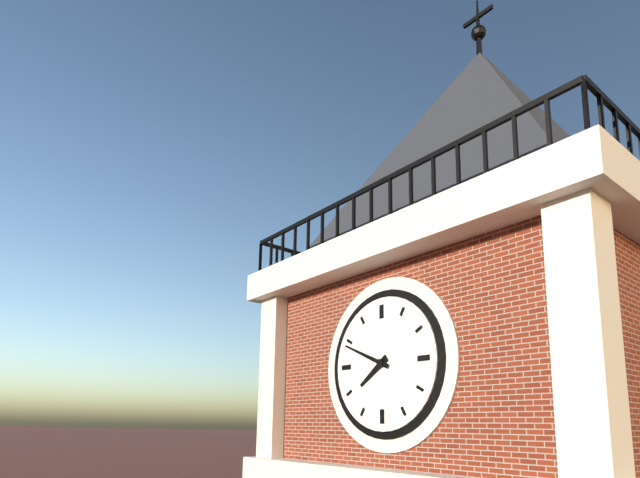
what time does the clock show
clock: 7:49
